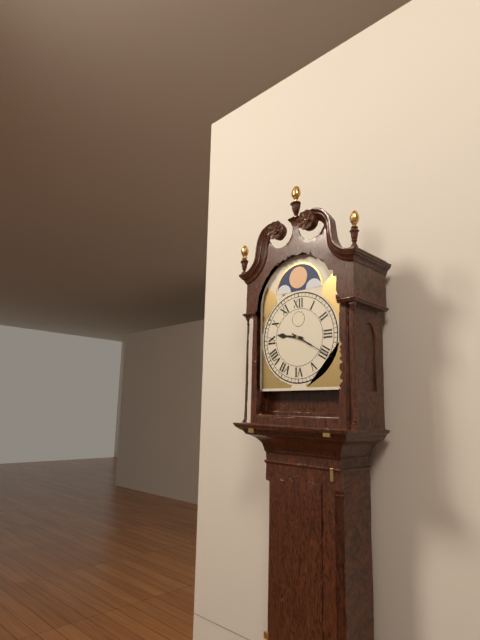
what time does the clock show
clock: 9:20
